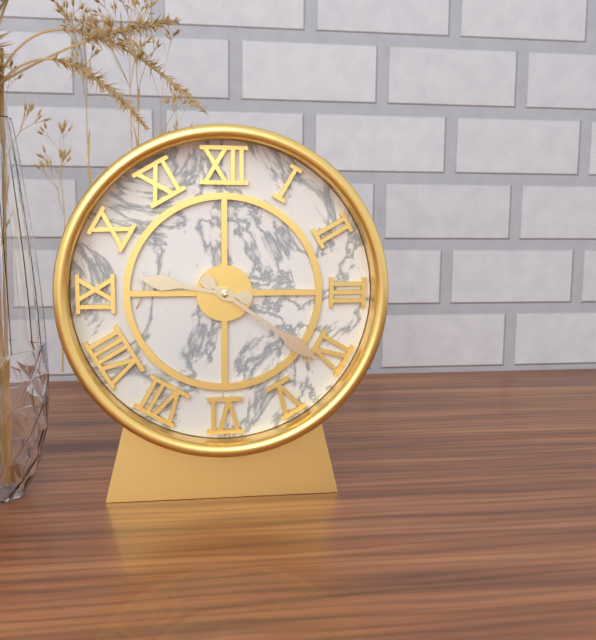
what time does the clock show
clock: 9:21
